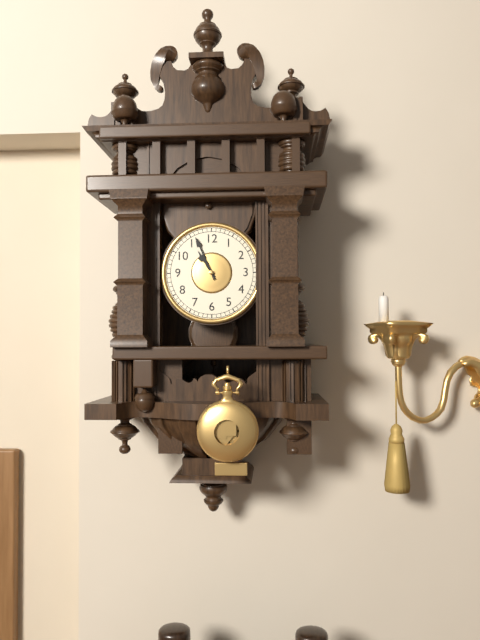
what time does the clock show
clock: 10:56
